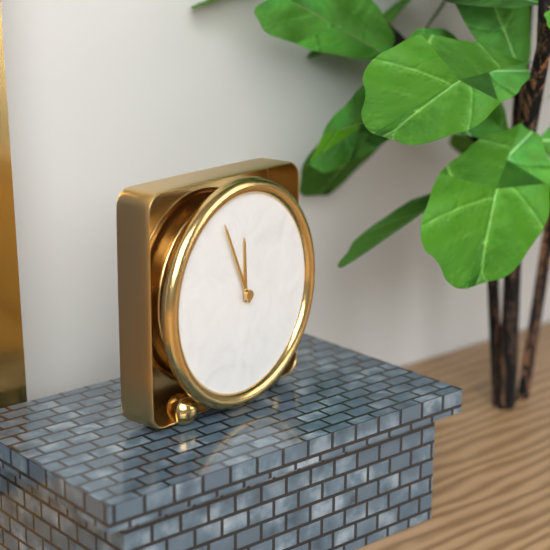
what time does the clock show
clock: 11:56
